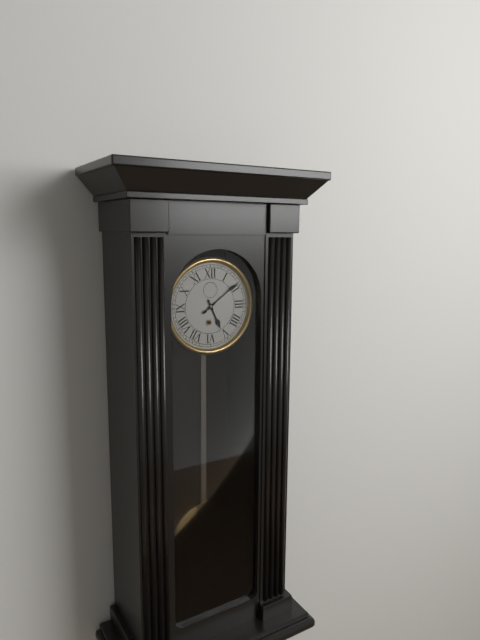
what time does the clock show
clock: 5:09
